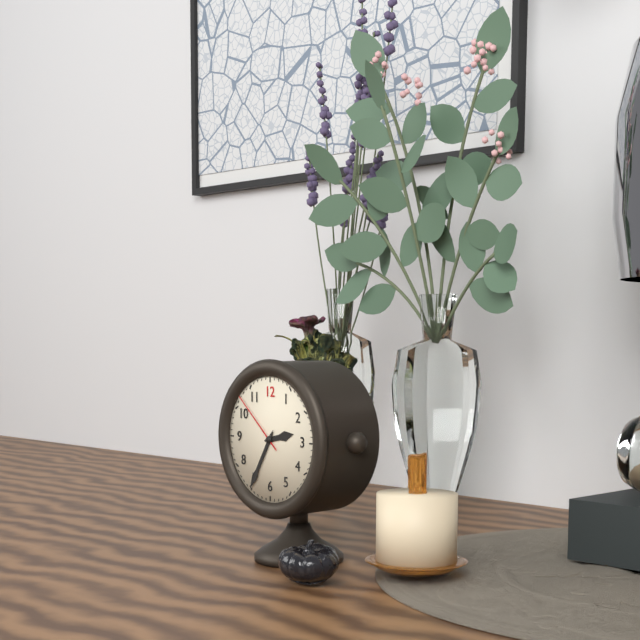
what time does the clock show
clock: 2:35:52
